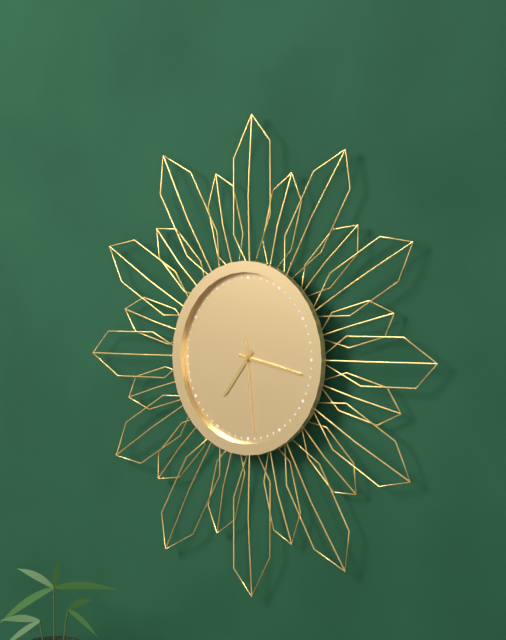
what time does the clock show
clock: 7:17:29
